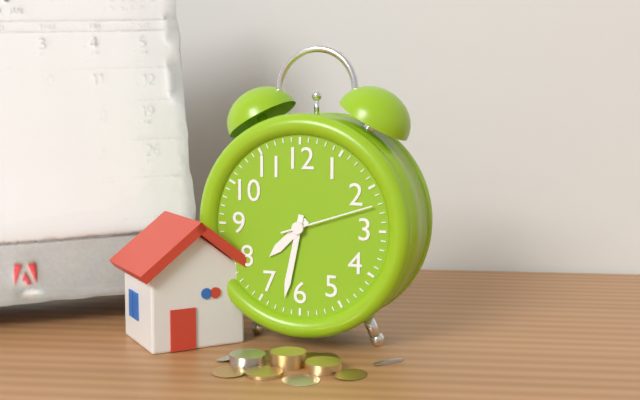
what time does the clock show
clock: 7:32:12
